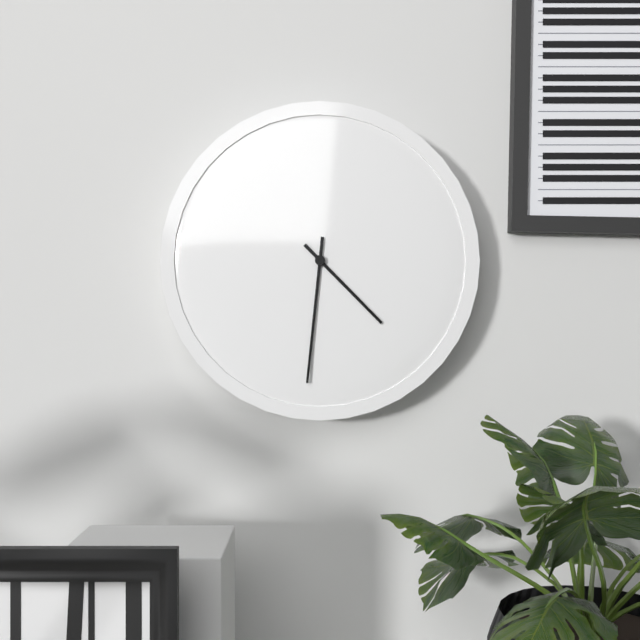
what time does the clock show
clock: 4:31
